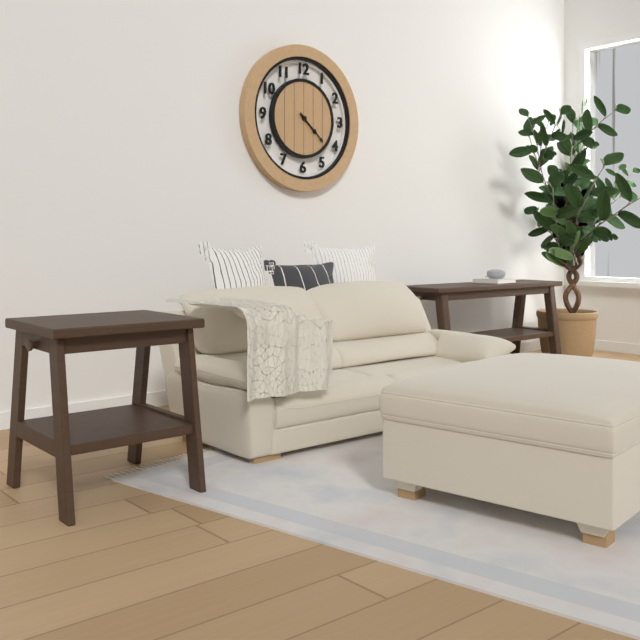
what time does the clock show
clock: 4:22
